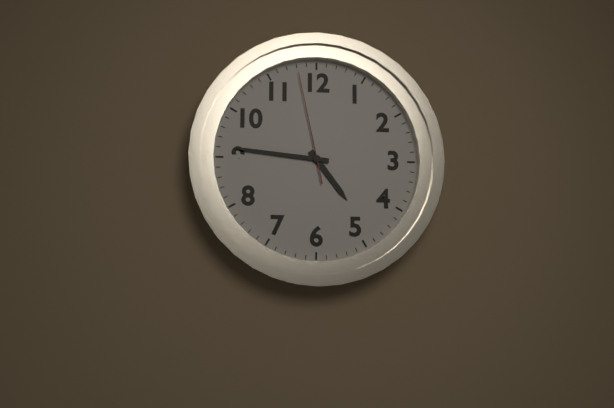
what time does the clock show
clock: 4:46:58
